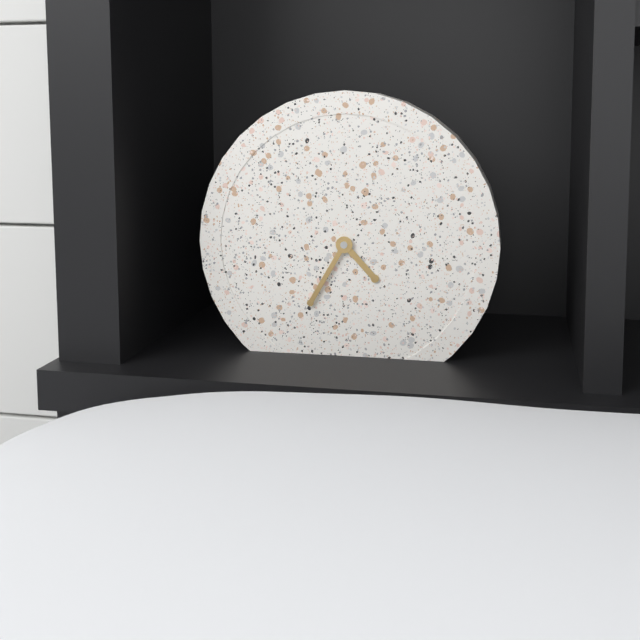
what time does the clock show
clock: 4:35
